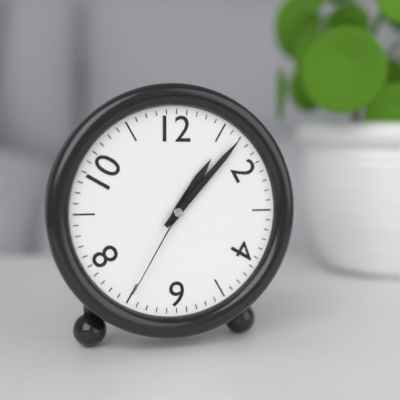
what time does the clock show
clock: 1:07:35
